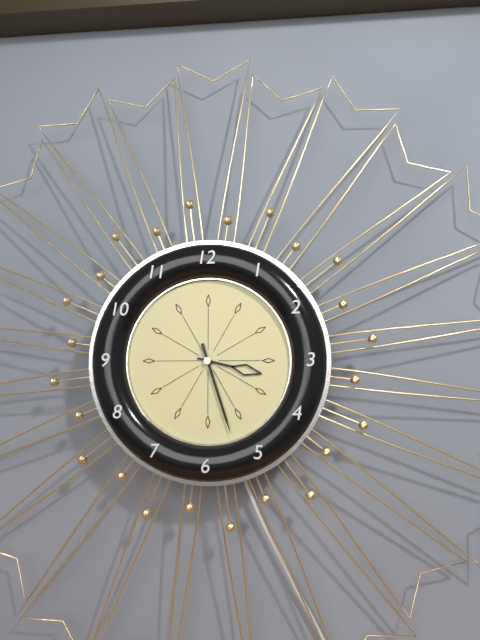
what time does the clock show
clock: 3:27
